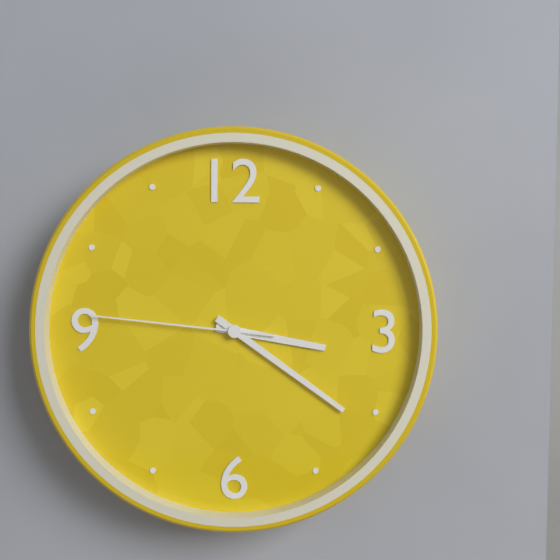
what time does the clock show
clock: 3:21:46
